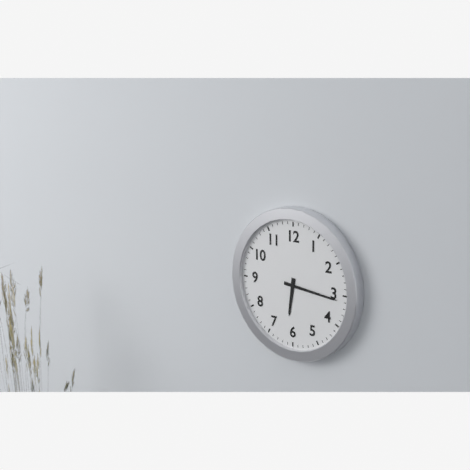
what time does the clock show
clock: 6:16
